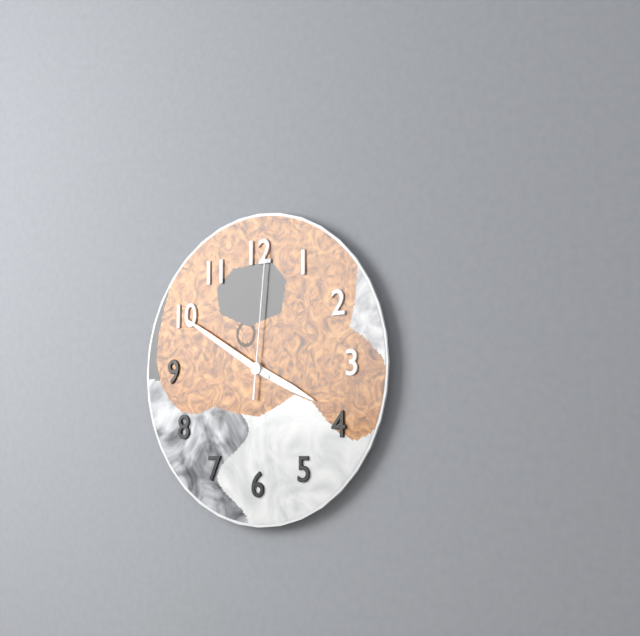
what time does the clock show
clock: 3:50:01
